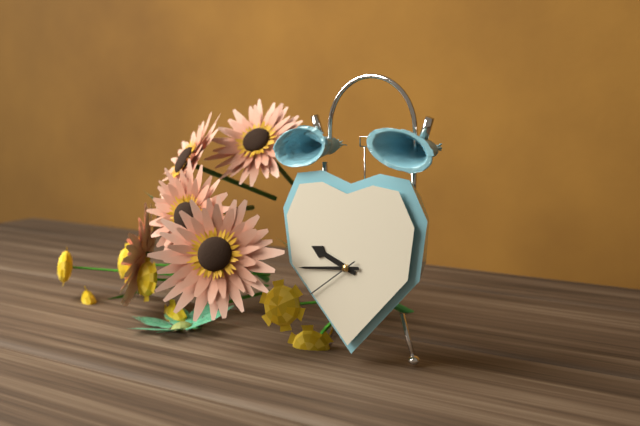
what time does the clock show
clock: 9:44:39
